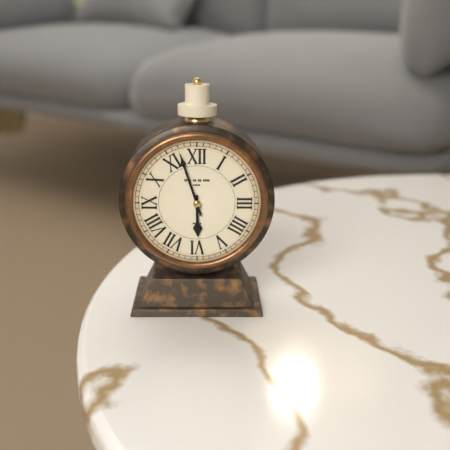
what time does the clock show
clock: 5:57
